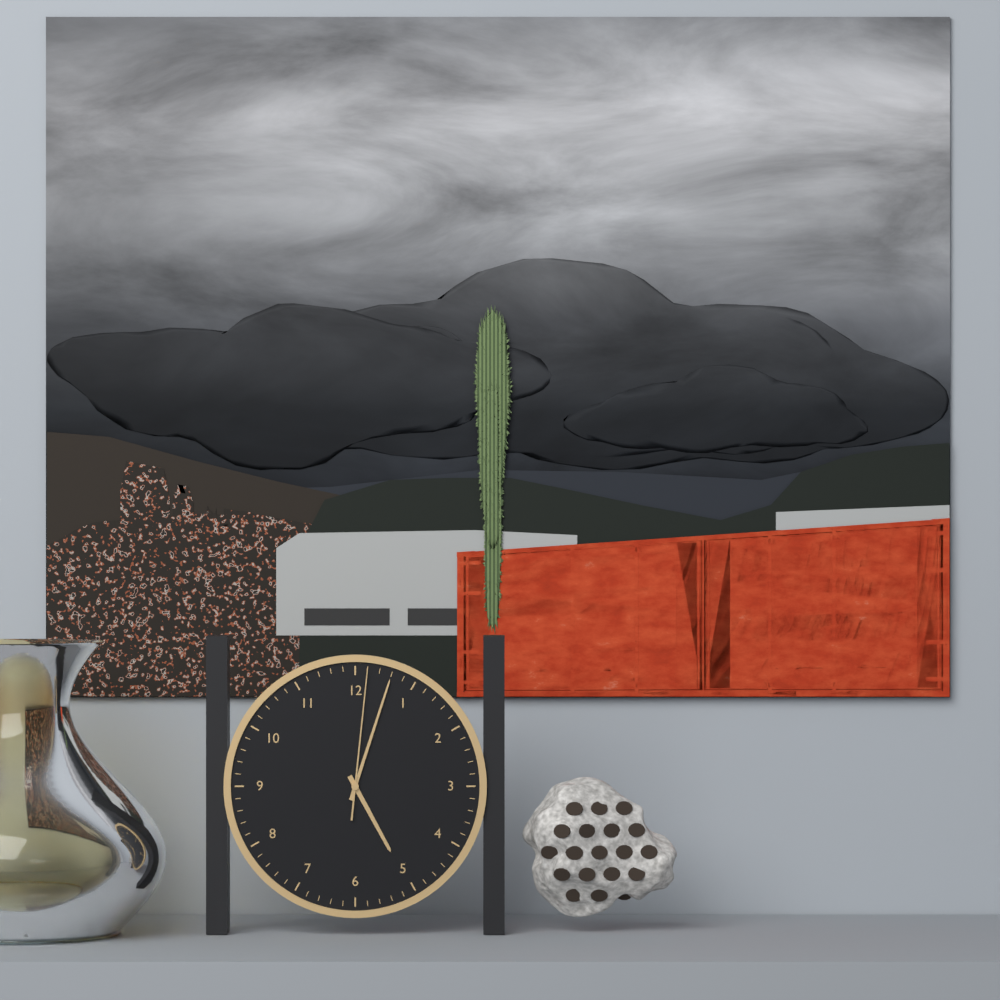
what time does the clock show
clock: 5:03:01
